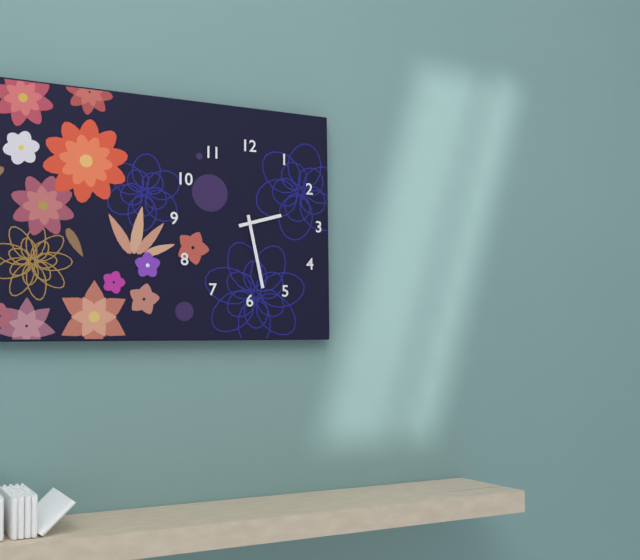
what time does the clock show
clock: 2:28
